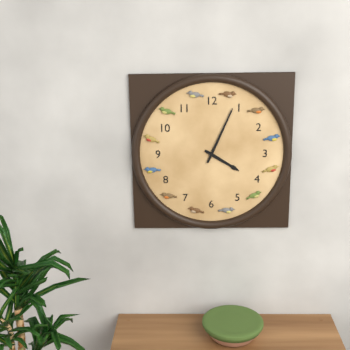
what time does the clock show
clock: 4:04
